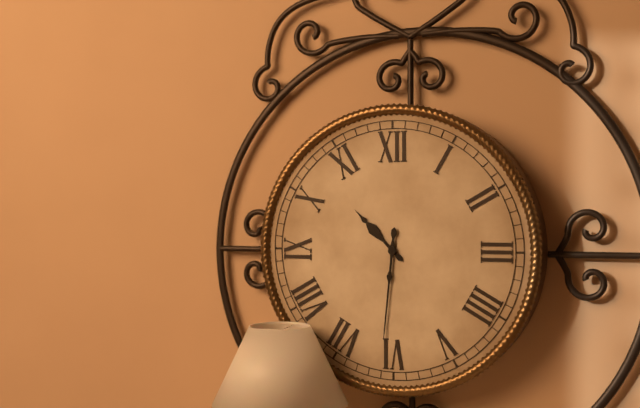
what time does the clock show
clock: 10:31
